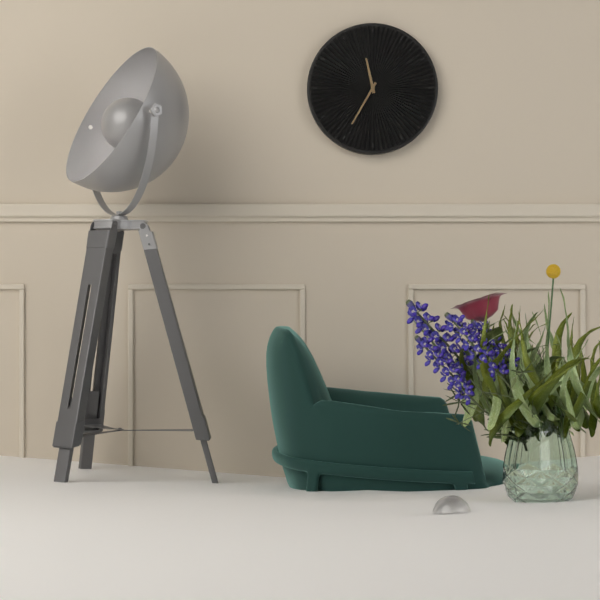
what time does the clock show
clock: 11:35
